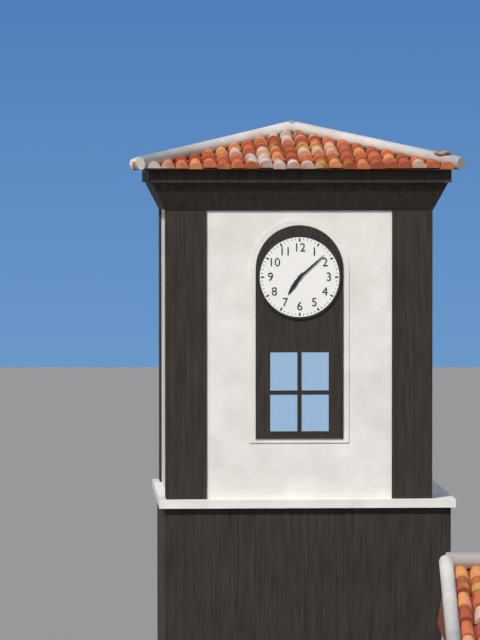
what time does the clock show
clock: 7:08
